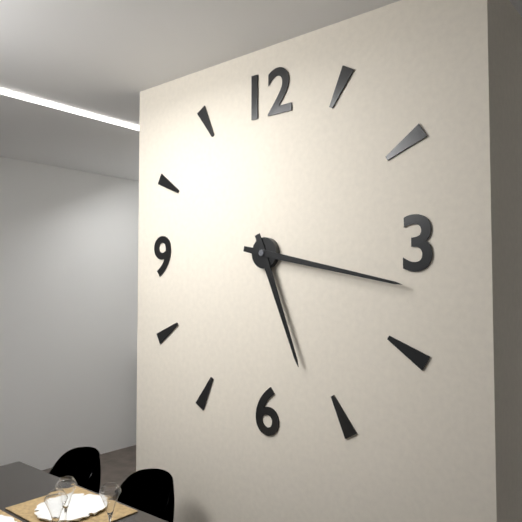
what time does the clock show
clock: 5:17
